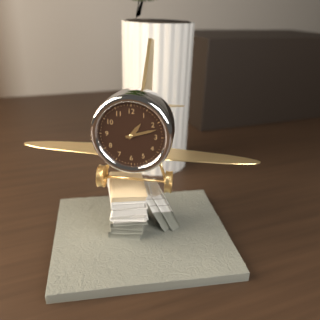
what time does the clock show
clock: 1:12
